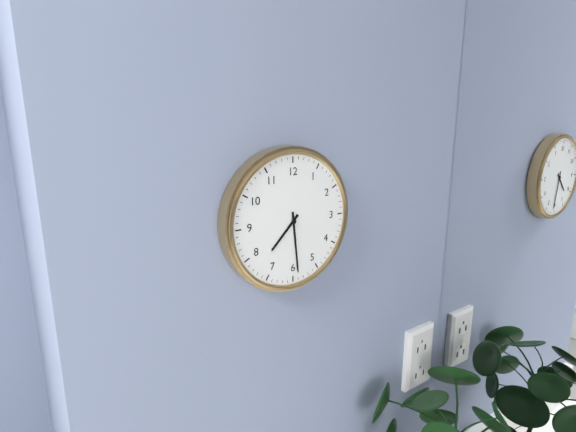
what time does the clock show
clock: 7:29
